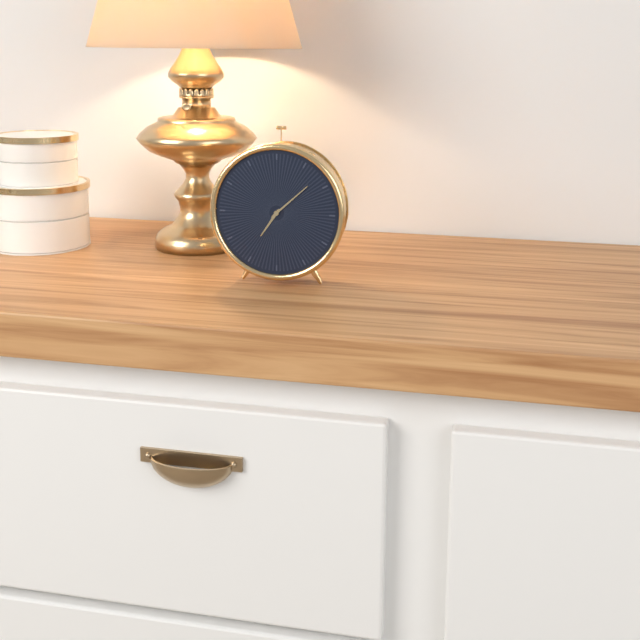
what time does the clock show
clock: 7:08
